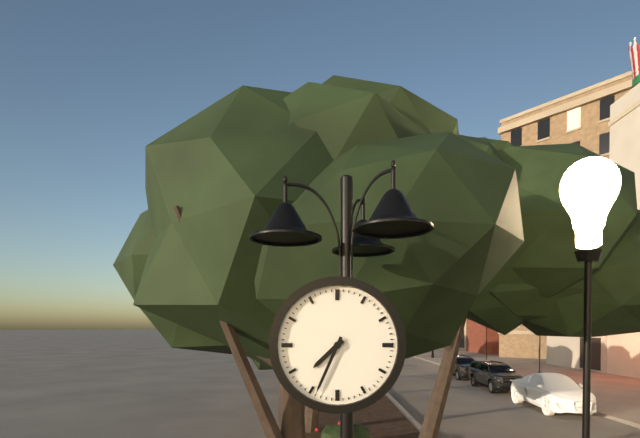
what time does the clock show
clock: 7:34
